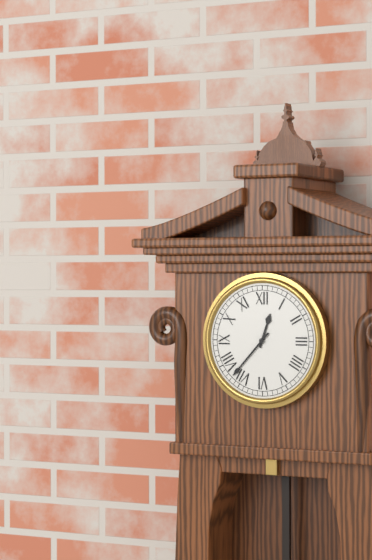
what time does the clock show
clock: 12:37
